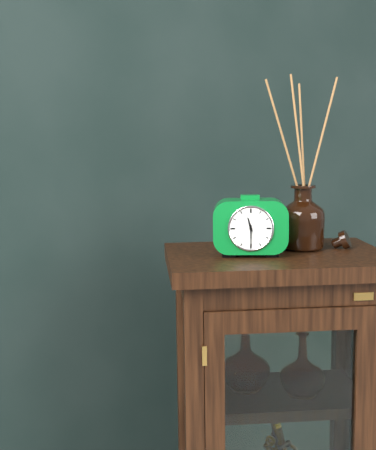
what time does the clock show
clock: 11:30
